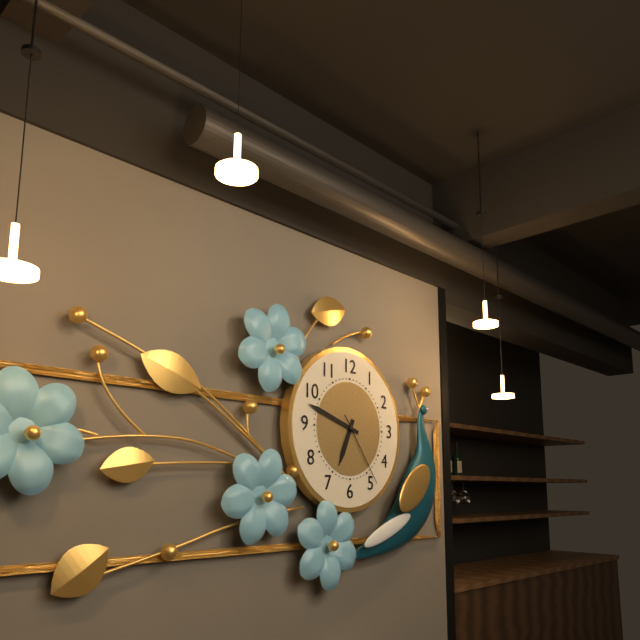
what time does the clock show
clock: 6:48:24
